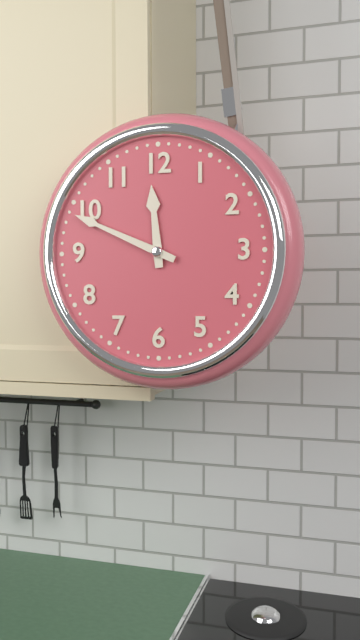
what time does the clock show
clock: 11:49
